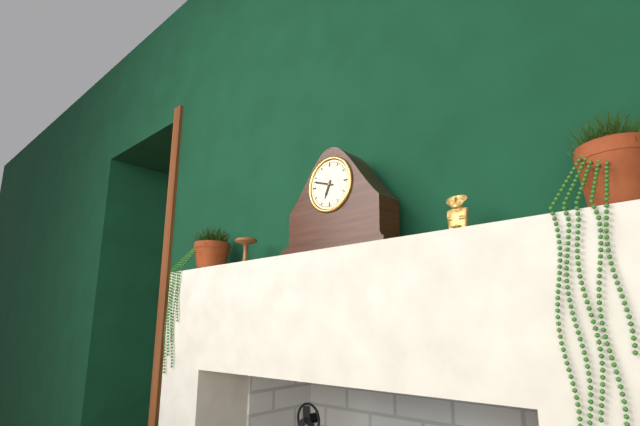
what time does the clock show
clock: 6:48
